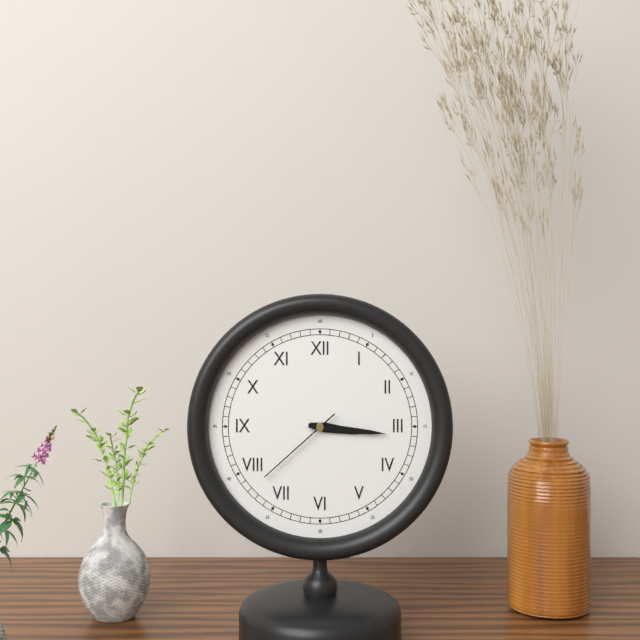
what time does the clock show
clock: 3:16:38
